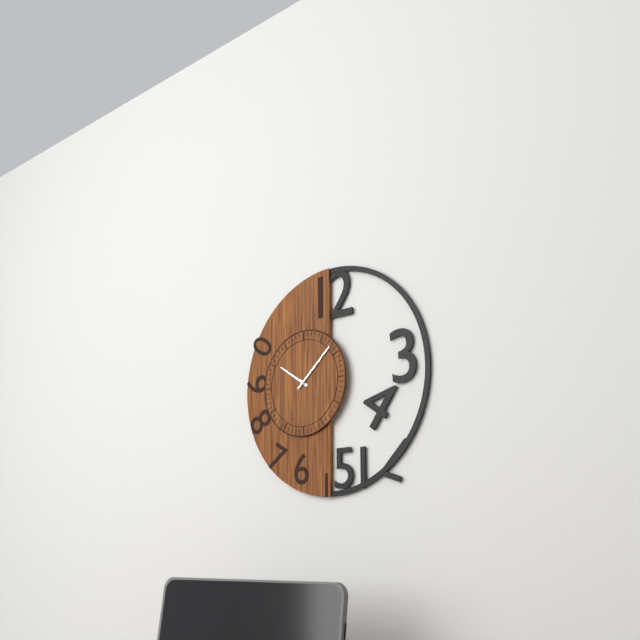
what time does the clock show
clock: 10:08
